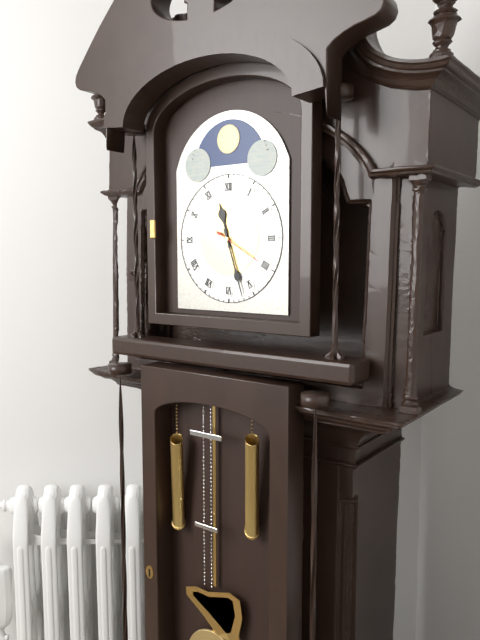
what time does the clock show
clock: 11:27
